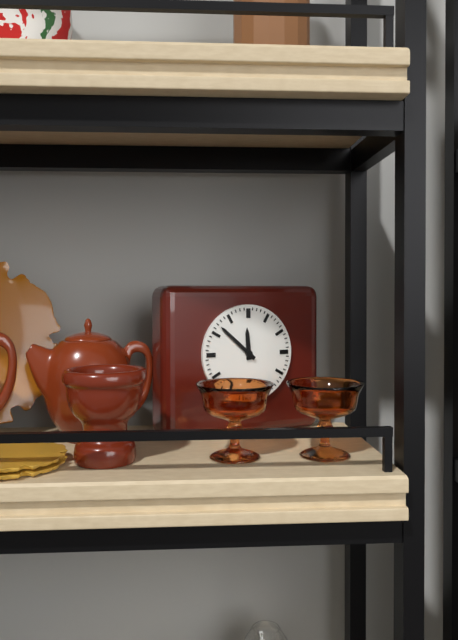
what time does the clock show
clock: 11:52
